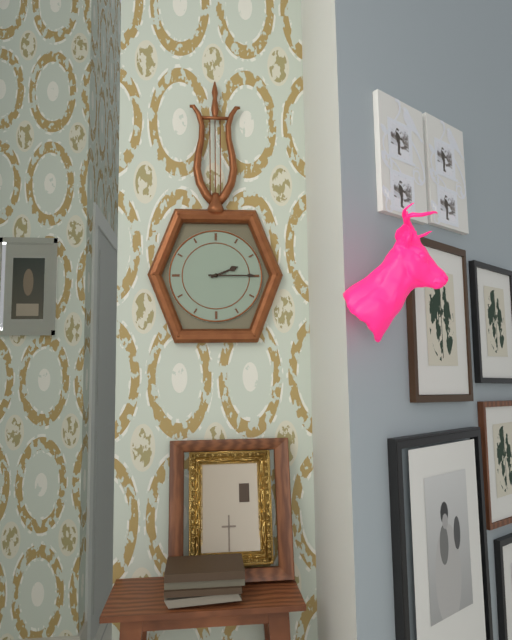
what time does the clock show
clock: 2:15
